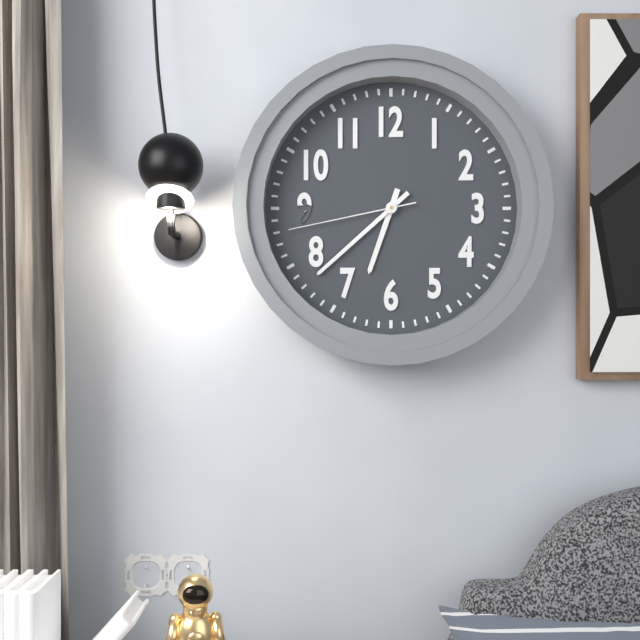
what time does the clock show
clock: 6:38:43
